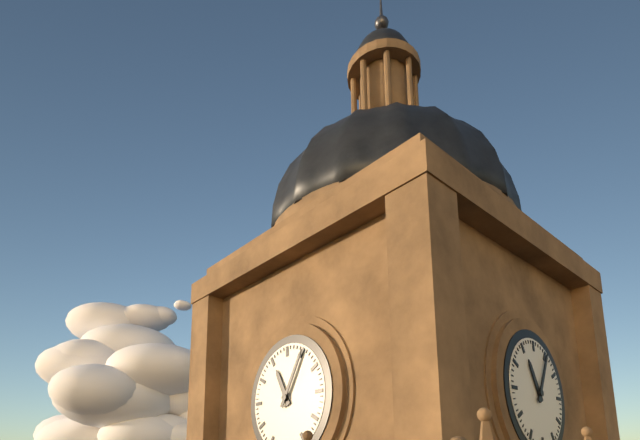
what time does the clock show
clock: 11:05
